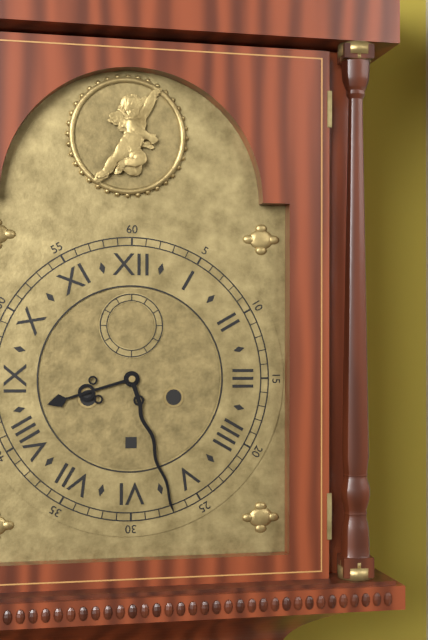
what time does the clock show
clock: 8:27
